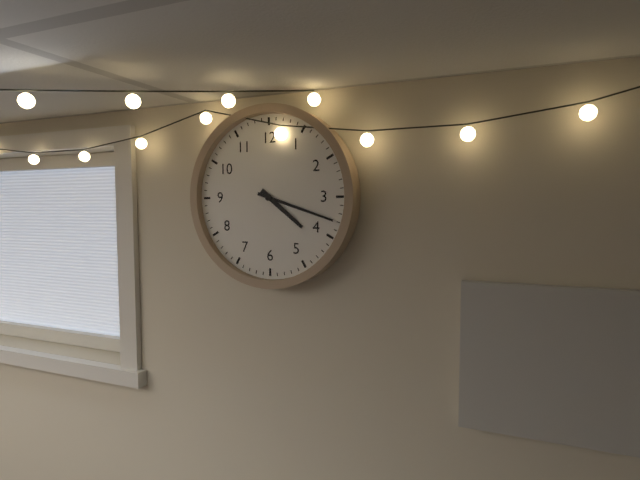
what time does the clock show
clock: 4:18
